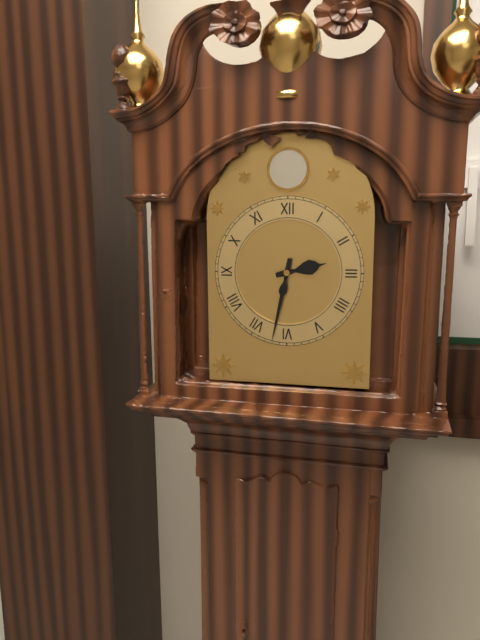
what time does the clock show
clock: 2:32
